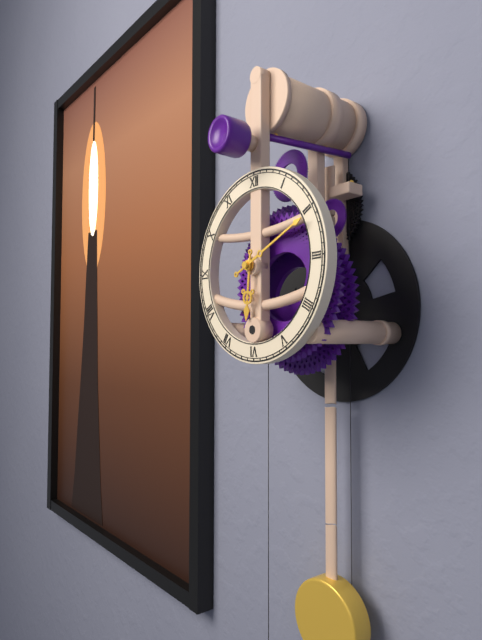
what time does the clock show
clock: 6:11
